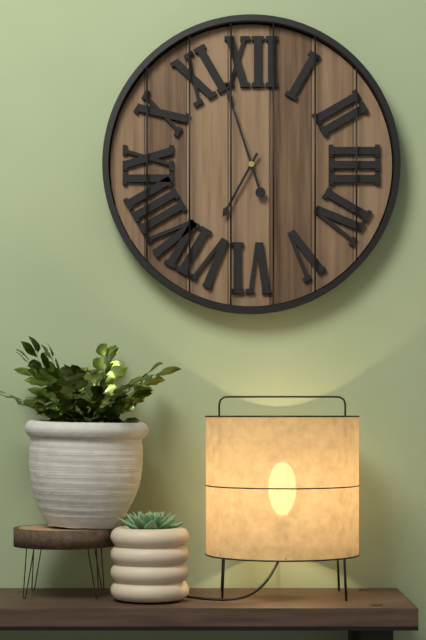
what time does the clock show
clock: 6:57
